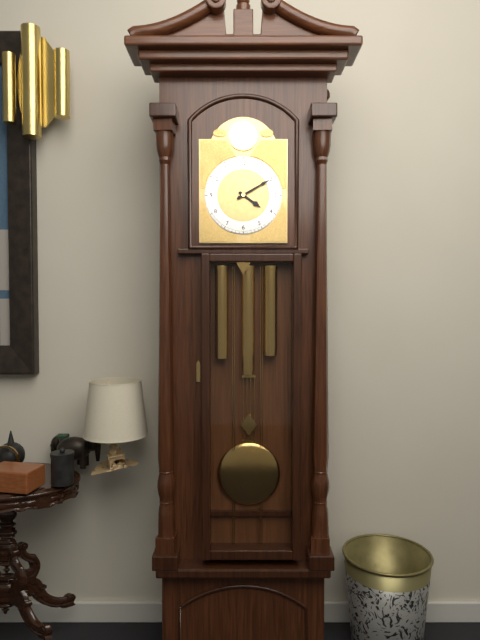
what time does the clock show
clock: 4:10
